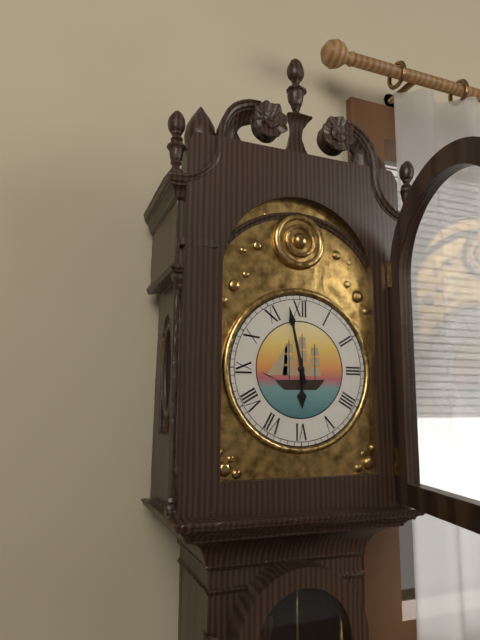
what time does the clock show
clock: 5:58
